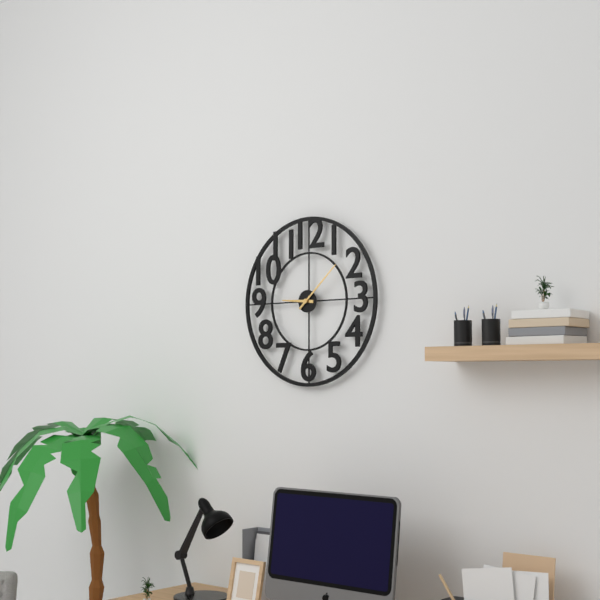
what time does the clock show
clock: 9:08
